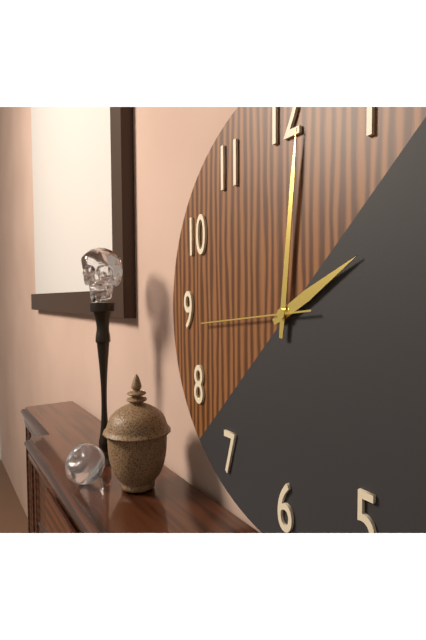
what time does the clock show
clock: 2:01:44
